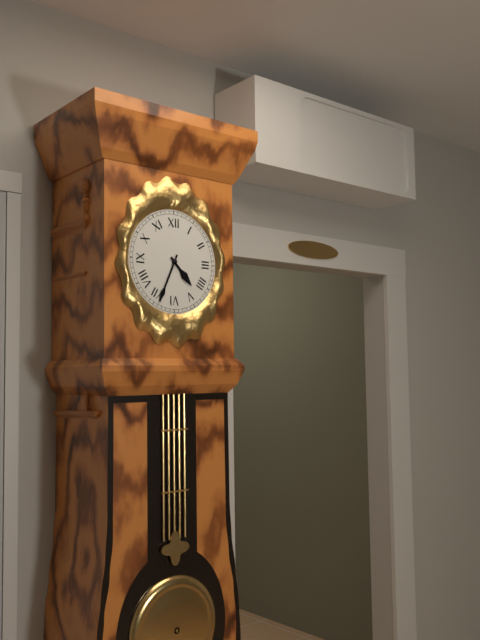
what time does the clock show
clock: 4:34
